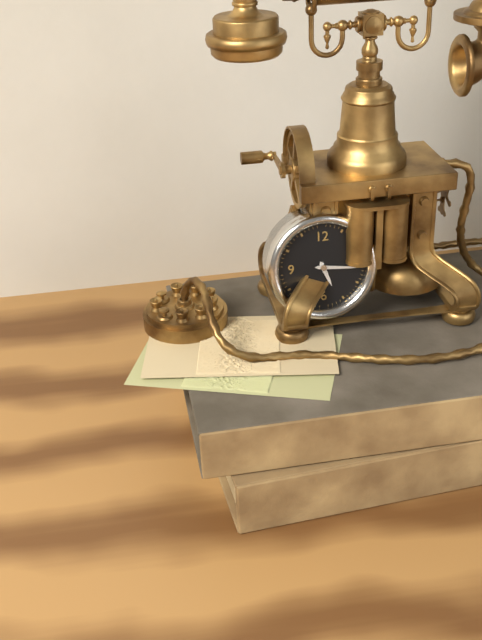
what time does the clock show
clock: 5:16
